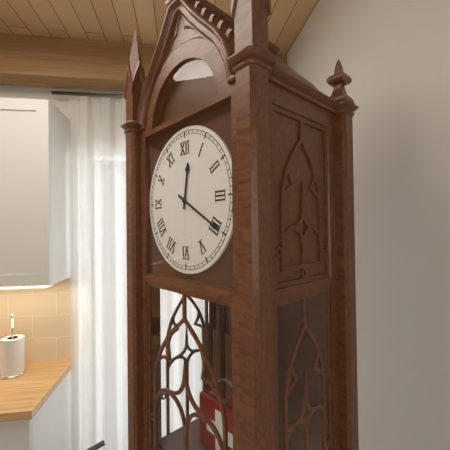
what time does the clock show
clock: 12:20
